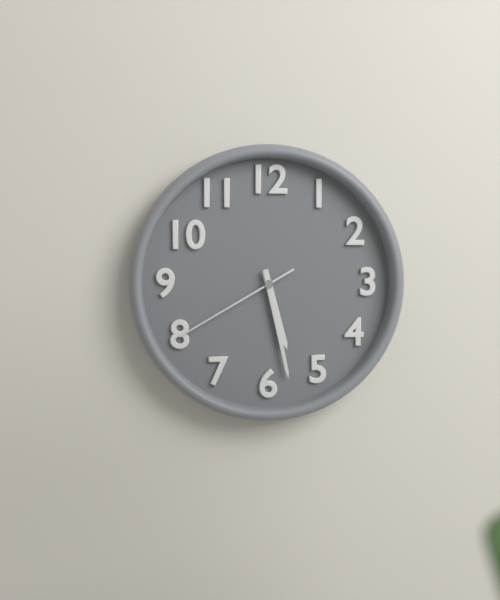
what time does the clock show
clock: 5:28:40
